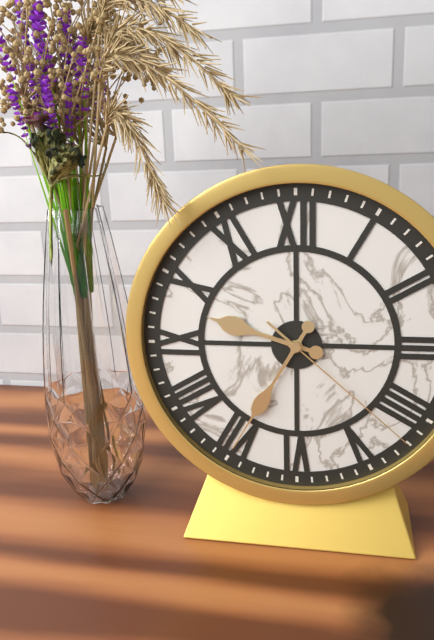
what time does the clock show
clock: 9:35:22
